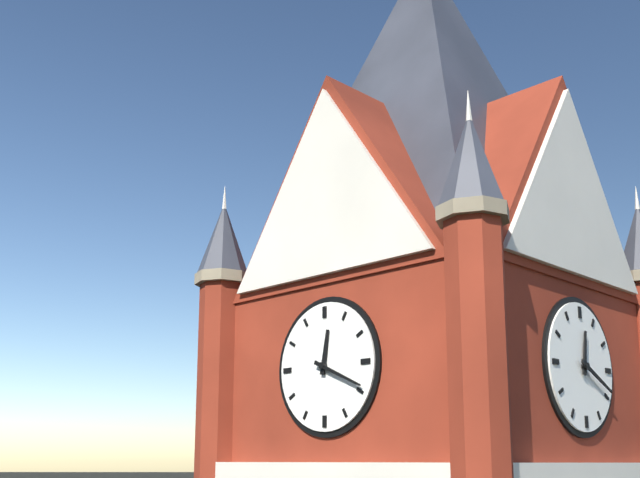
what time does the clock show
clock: 12:19
